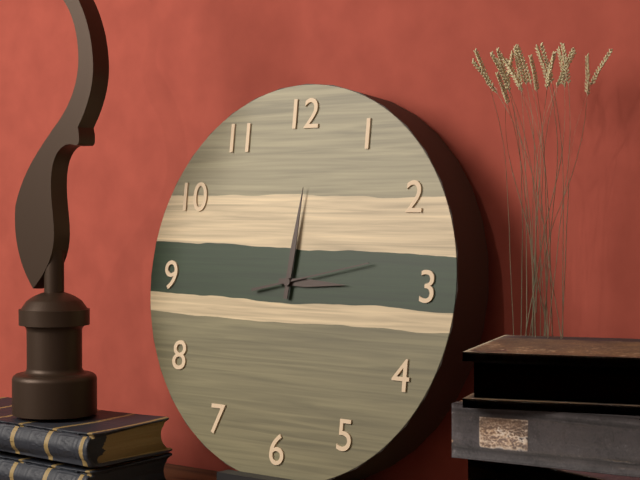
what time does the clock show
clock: 3:01:13
